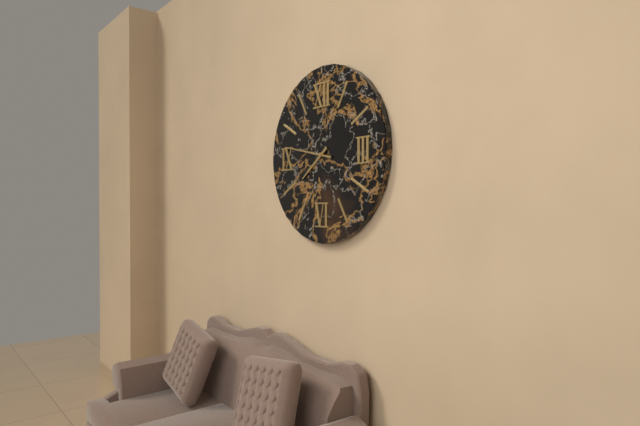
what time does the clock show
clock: 7:47
